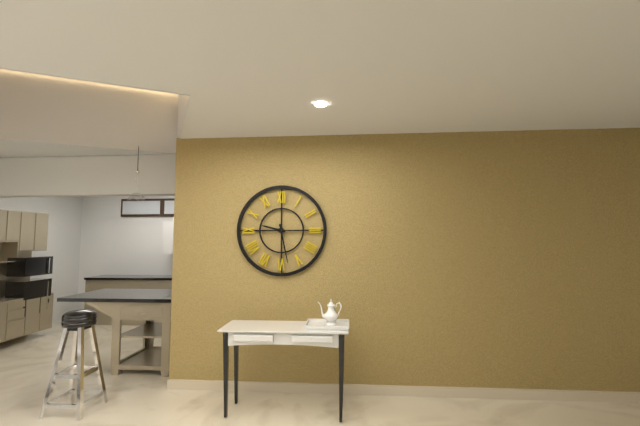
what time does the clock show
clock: 9:28
